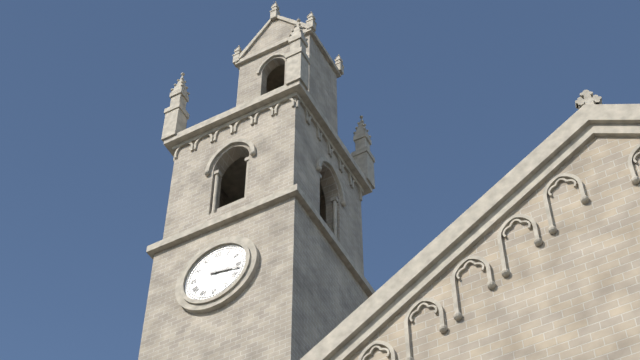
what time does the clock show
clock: 3:17
